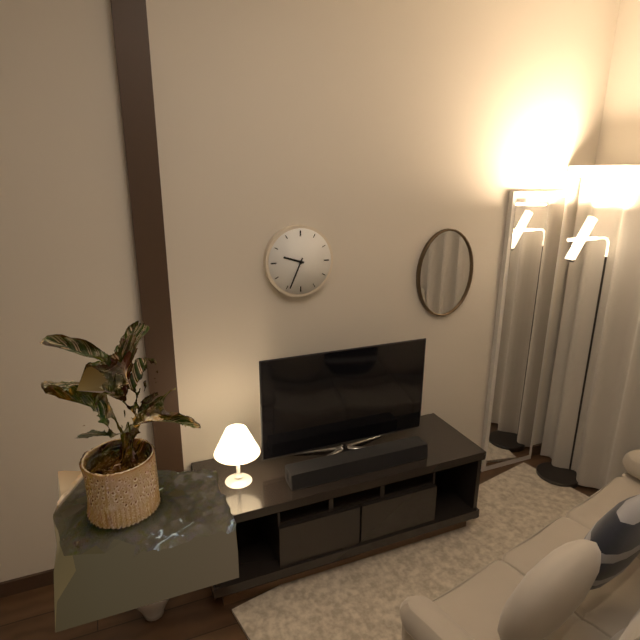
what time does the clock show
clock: 9:34
